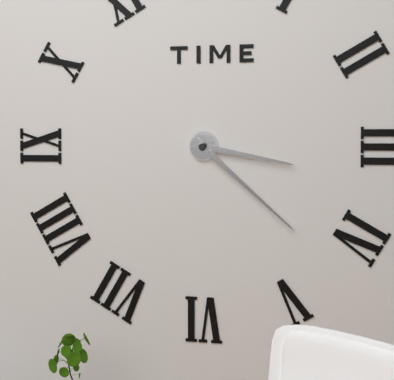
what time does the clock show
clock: 3:22
